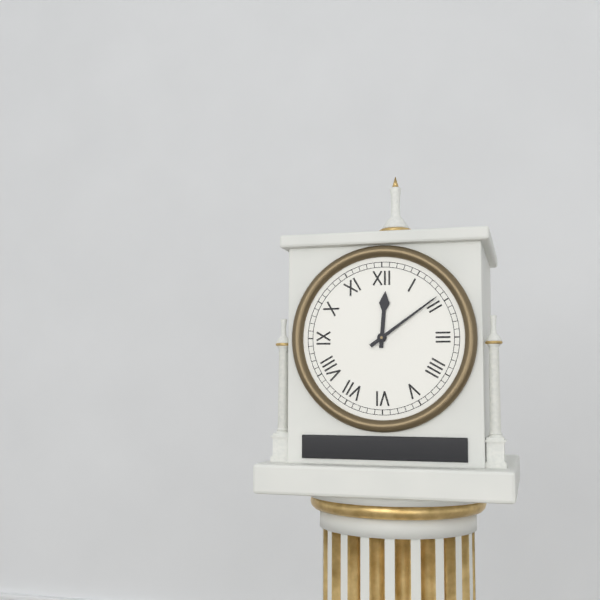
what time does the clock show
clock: 12:09
